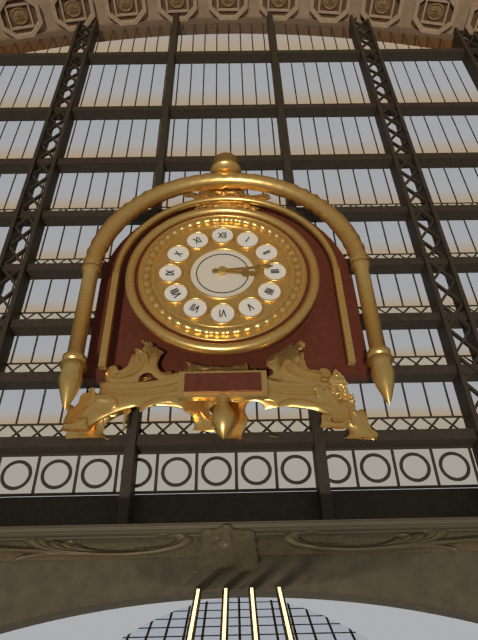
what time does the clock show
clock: 3:14
